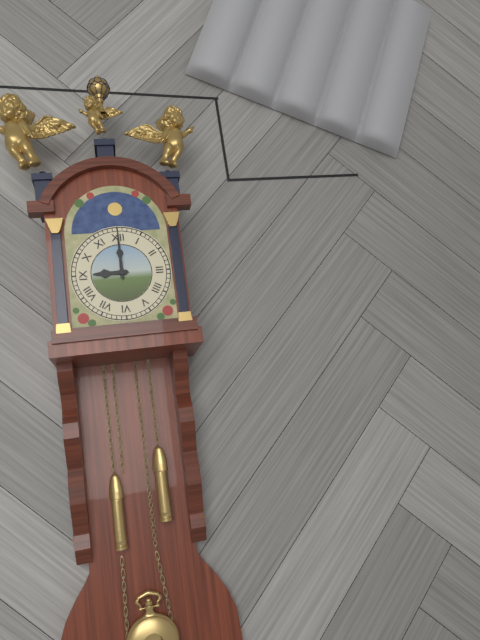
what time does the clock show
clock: 9:00
